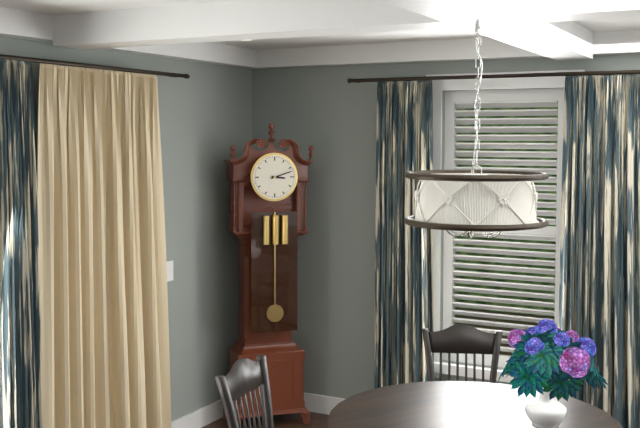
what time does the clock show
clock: 3:12
